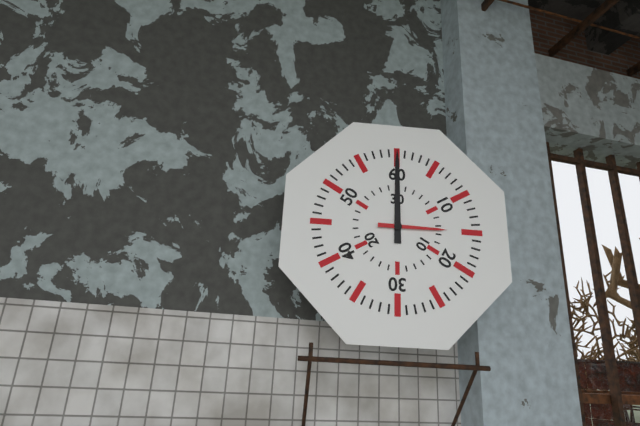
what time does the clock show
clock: 3:00
